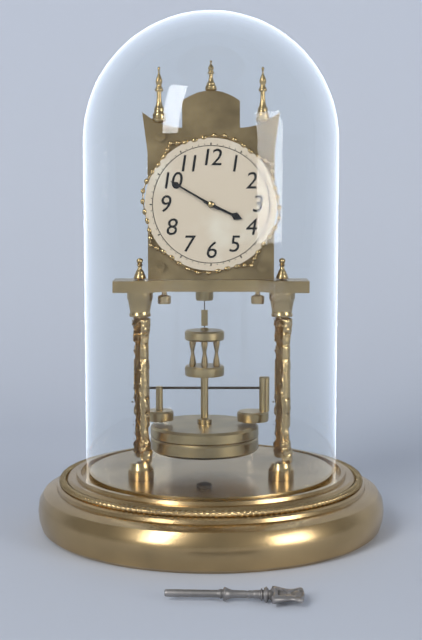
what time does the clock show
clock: 3:50
